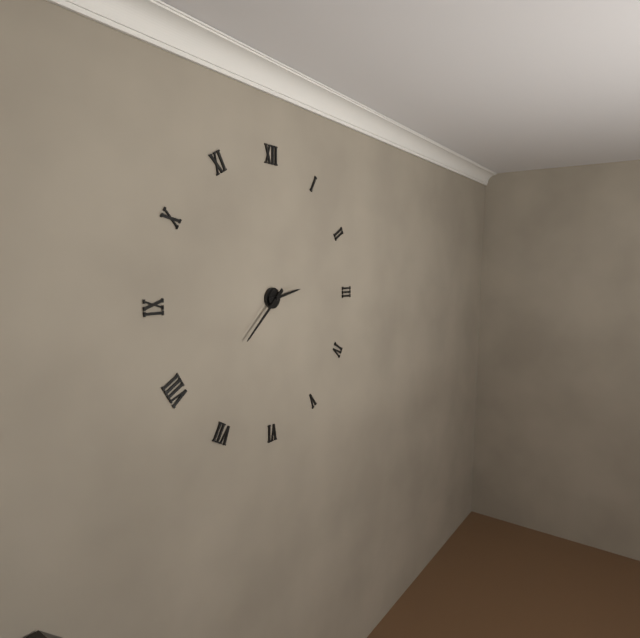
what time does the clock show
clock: 2:38
